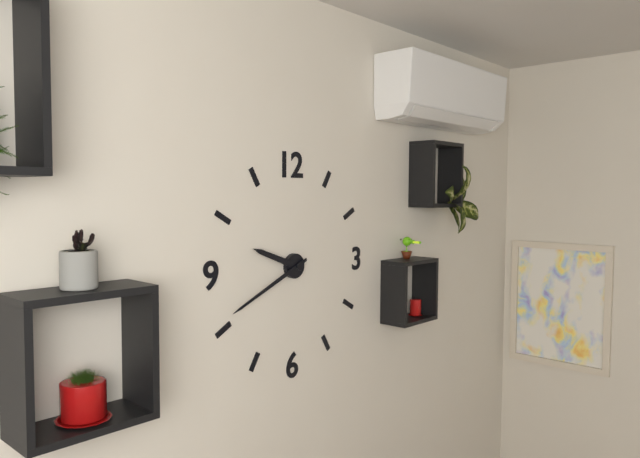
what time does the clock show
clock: 9:41
